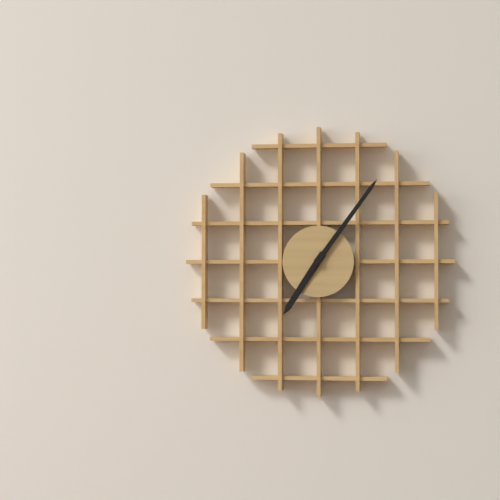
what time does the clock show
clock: 7:06
